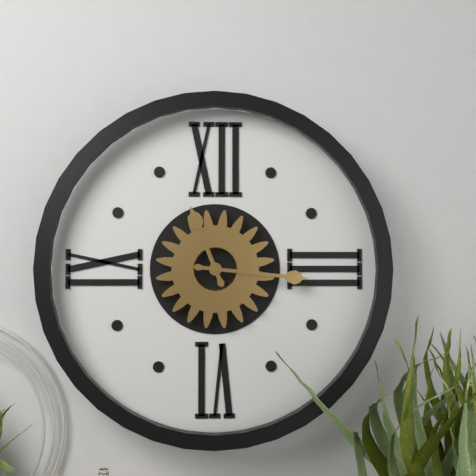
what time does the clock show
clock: 11:16
